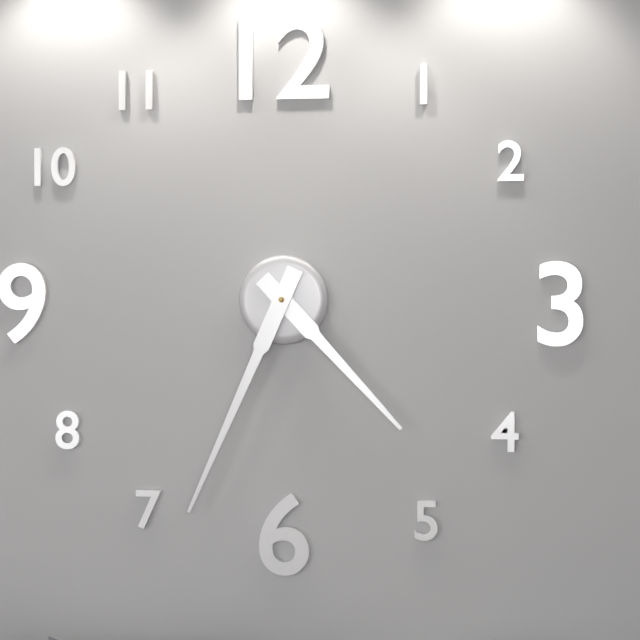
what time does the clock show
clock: 4:34
